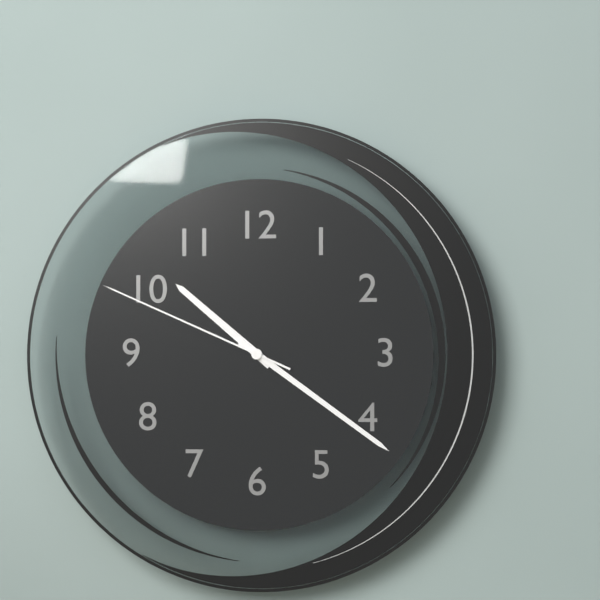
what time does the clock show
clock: 10:21:49
